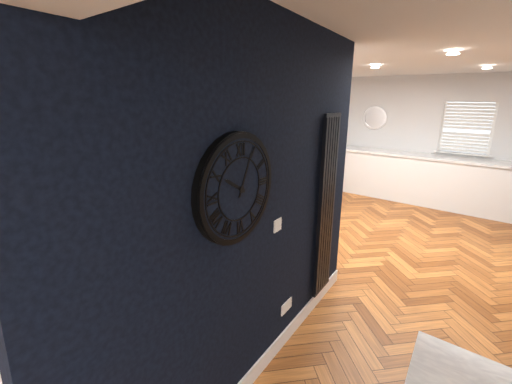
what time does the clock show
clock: 10:04
